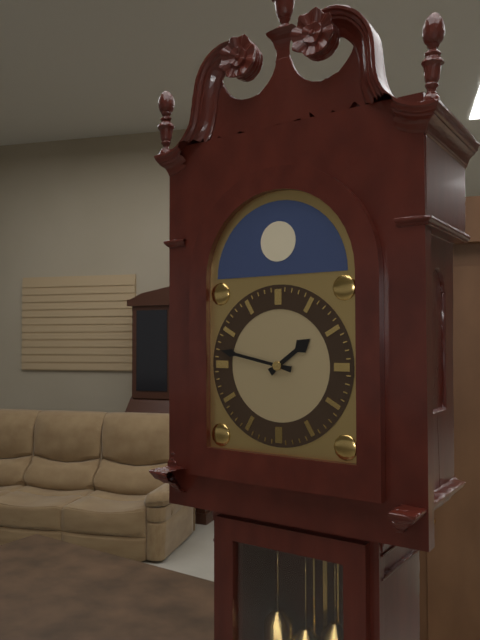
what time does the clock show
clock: 1:47
